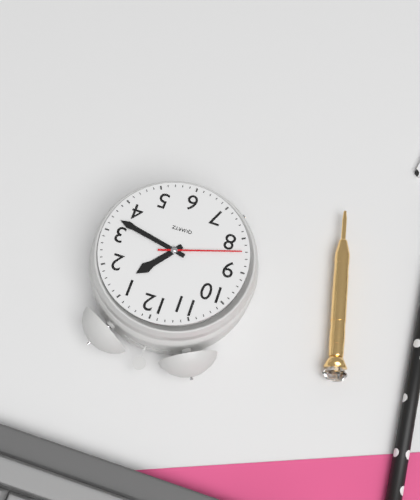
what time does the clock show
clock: 1:17:42
